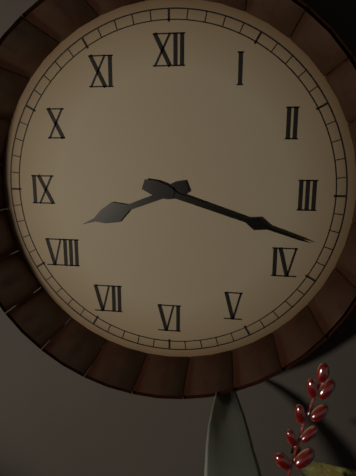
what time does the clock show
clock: 8:18
